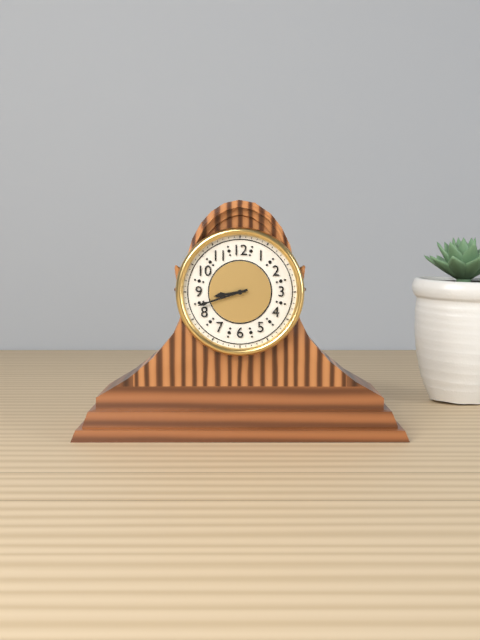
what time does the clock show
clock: 8:42
